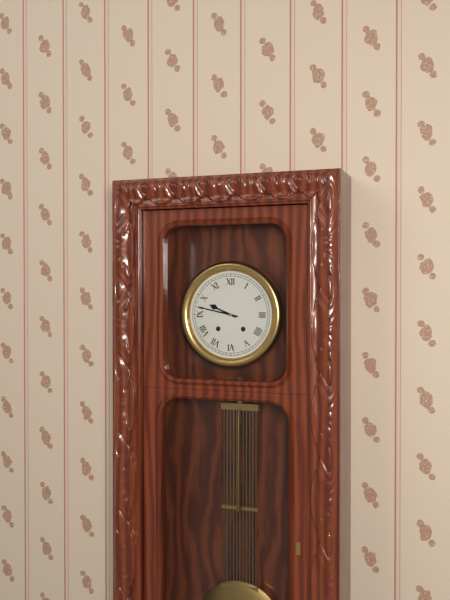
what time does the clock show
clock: 9:47
